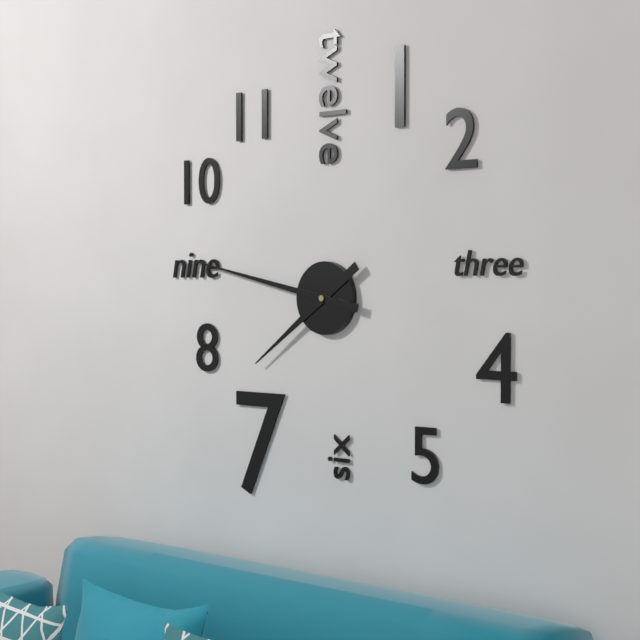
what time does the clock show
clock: 7:47
